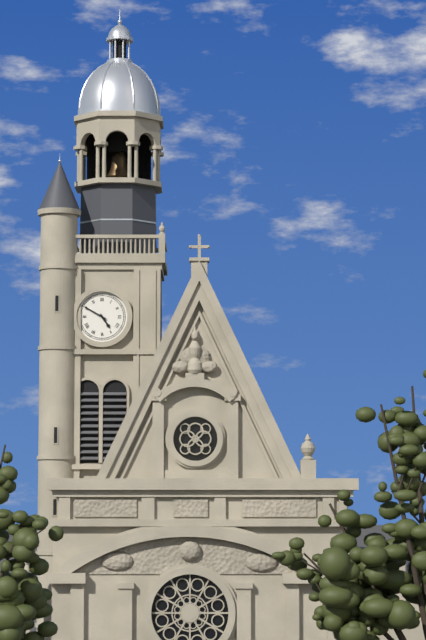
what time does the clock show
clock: 4:50
